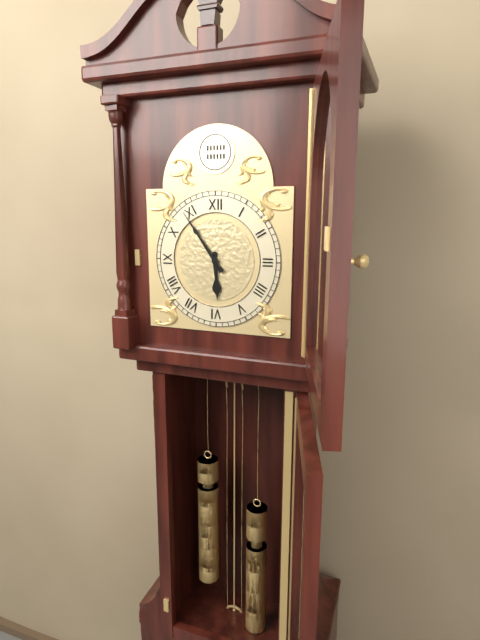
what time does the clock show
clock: 5:54
